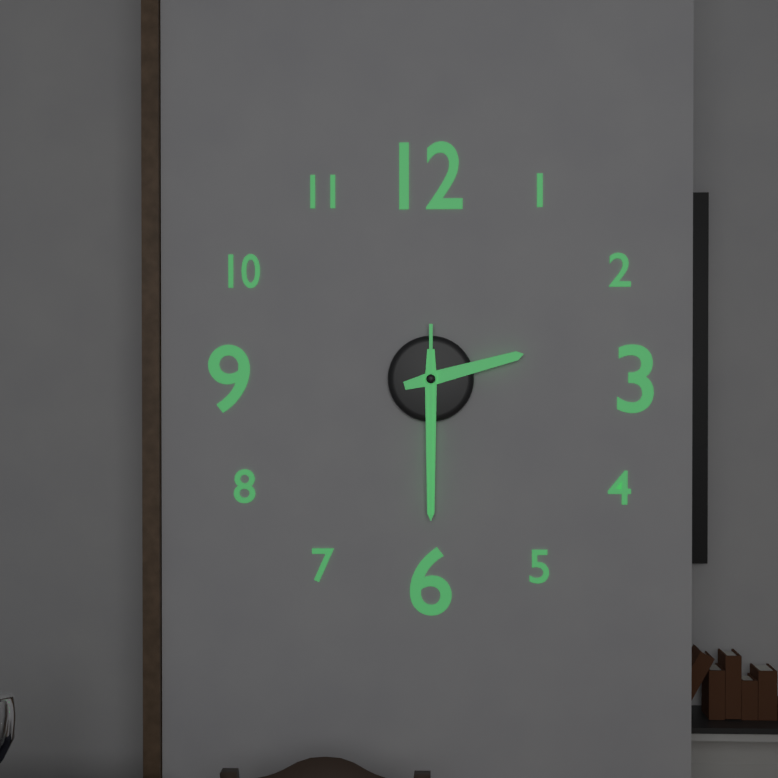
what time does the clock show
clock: 2:30:30
